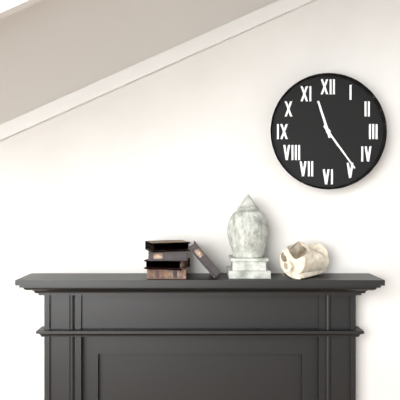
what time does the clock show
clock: 11:24
